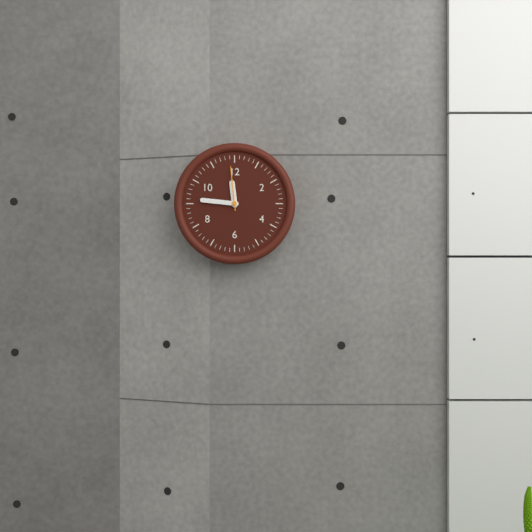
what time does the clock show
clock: 11:46
